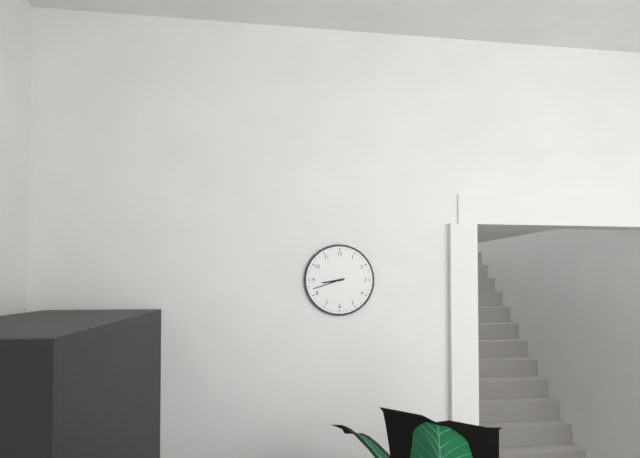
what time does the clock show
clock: 8:42
